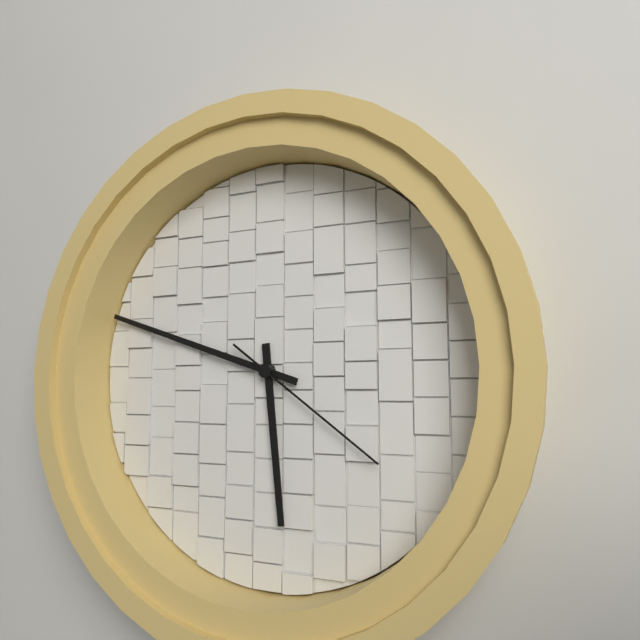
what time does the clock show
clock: 5:48:21
